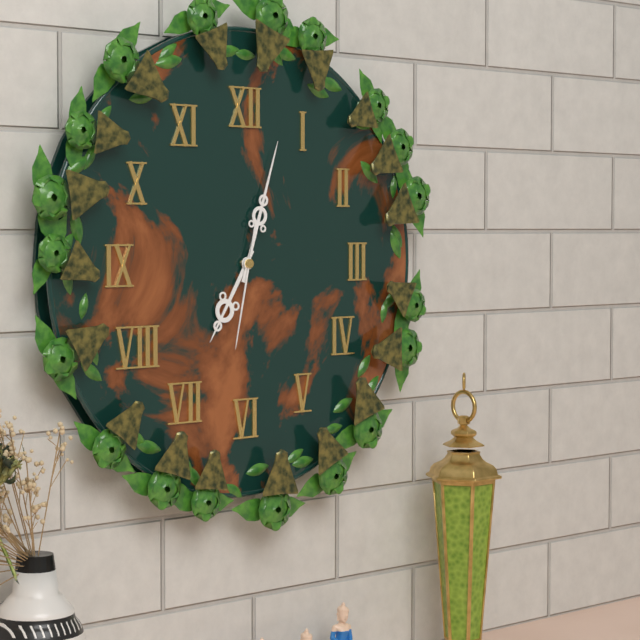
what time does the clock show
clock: 7:03:32
